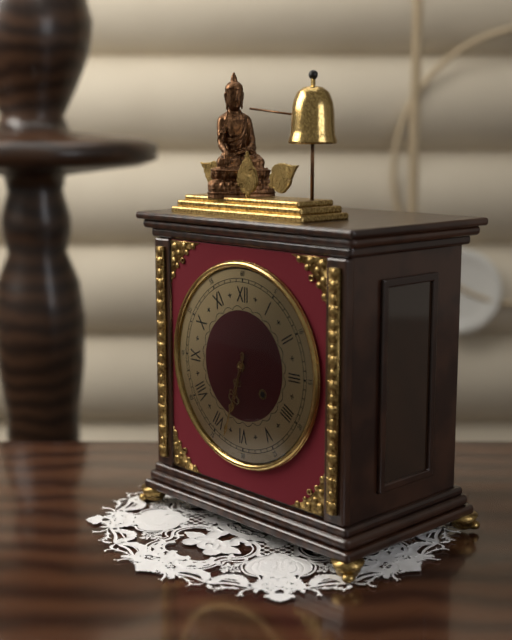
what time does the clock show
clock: 6:33
